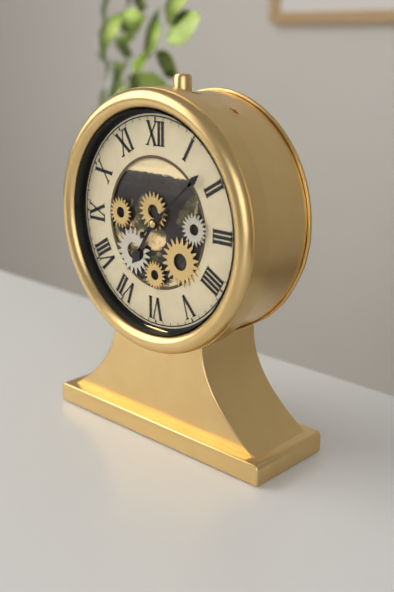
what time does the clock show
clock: 7:08
